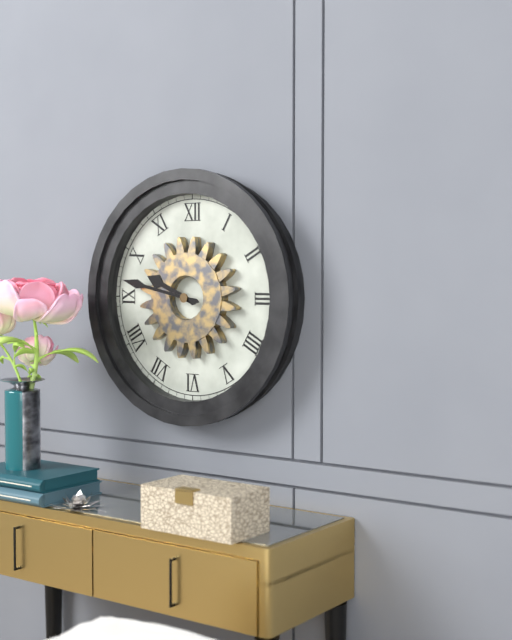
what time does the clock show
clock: 9:47
